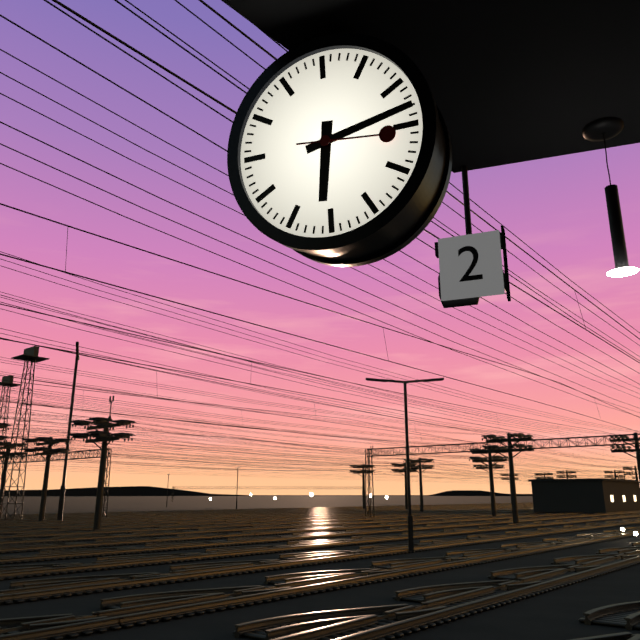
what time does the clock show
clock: 6:13:16
